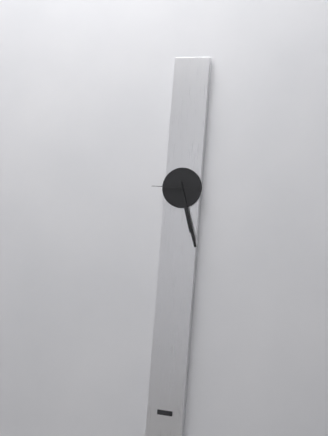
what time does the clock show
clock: 5:27
